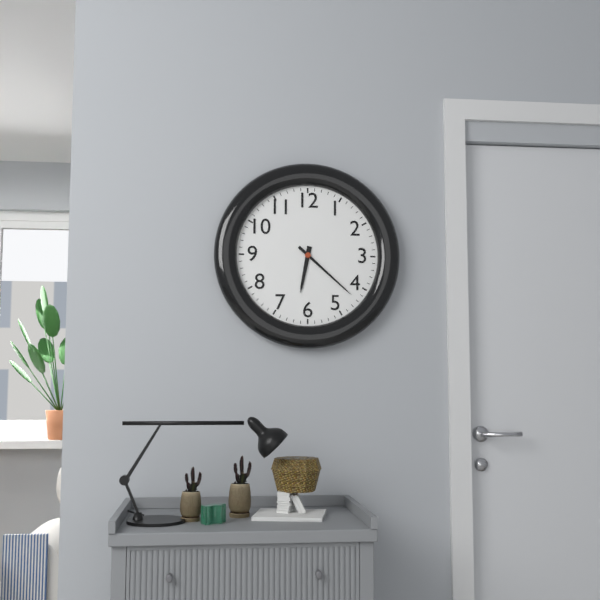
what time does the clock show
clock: 6:22
